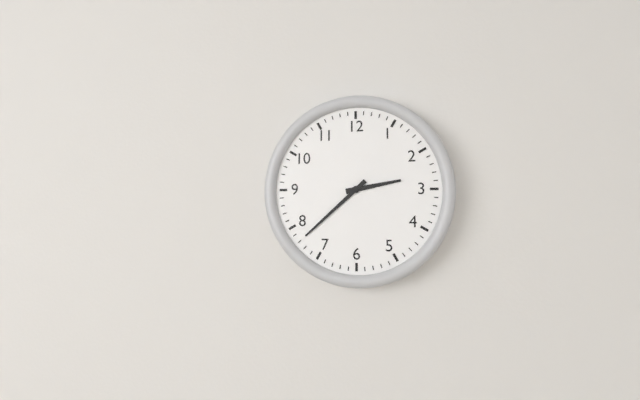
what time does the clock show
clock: 2:38
